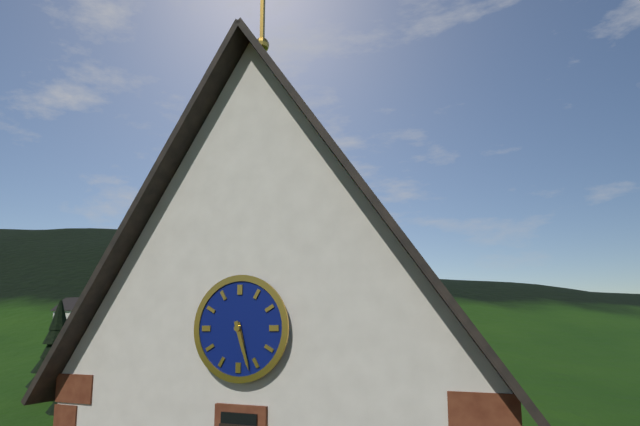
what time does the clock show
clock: 5:27
